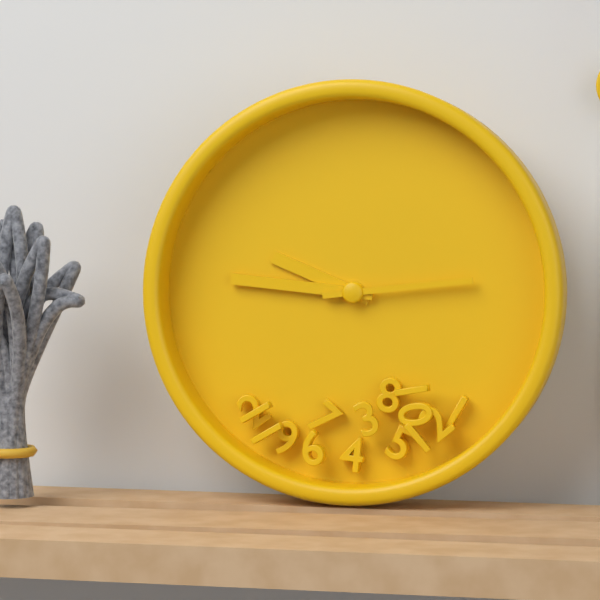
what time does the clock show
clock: 9:46:14
